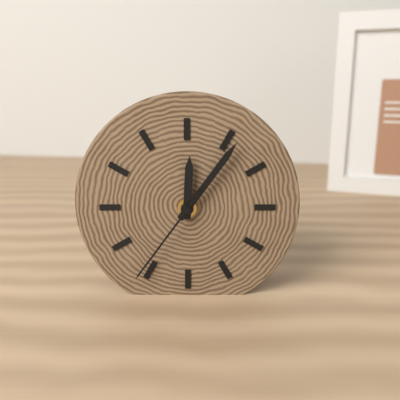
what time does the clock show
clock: 12:06:36
